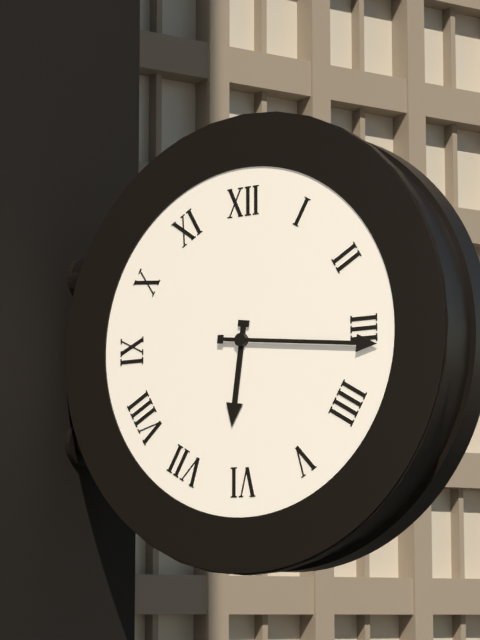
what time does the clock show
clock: 6:16
